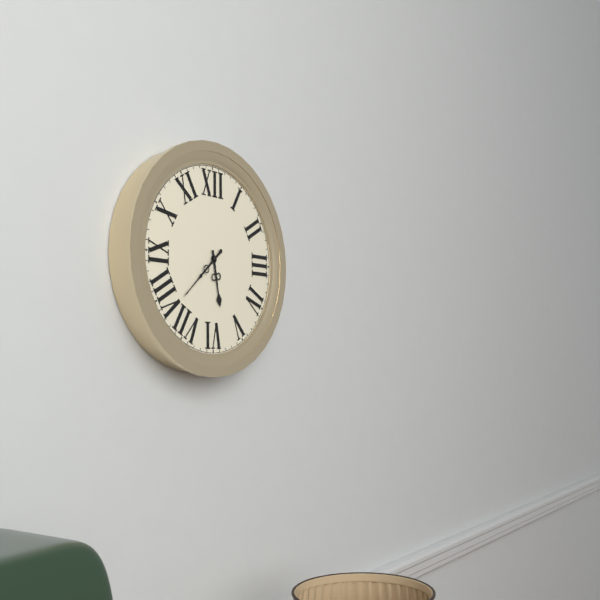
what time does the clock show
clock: 5:38
